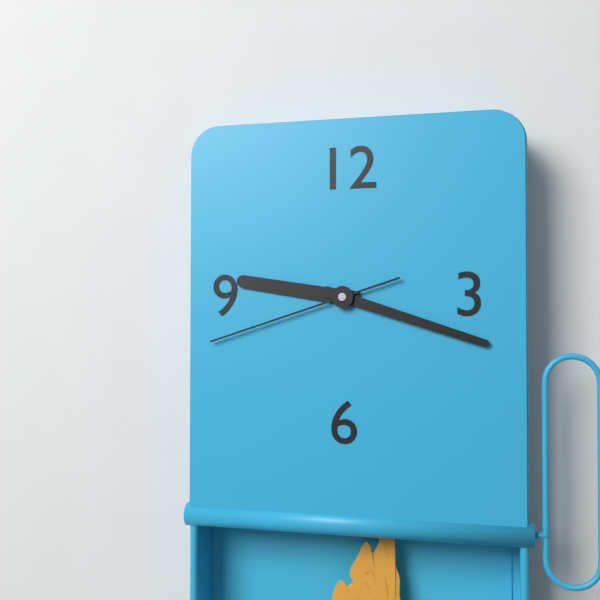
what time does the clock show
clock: 9:18:42
